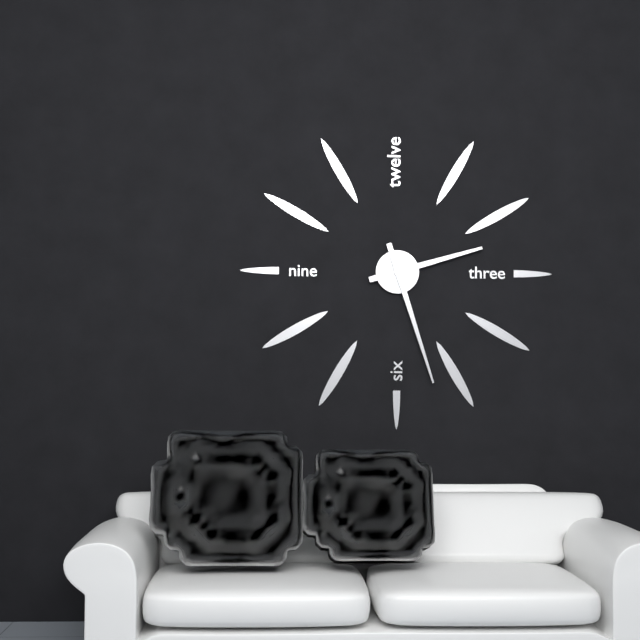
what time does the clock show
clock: 2:27
